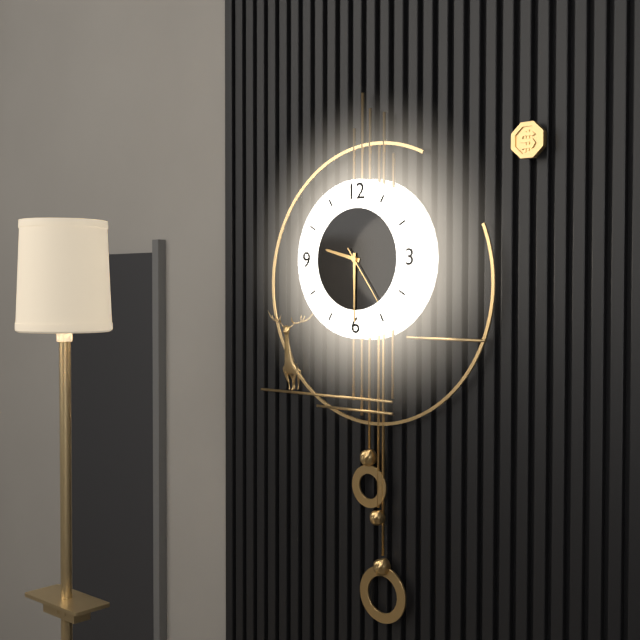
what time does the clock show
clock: 9:30:24
